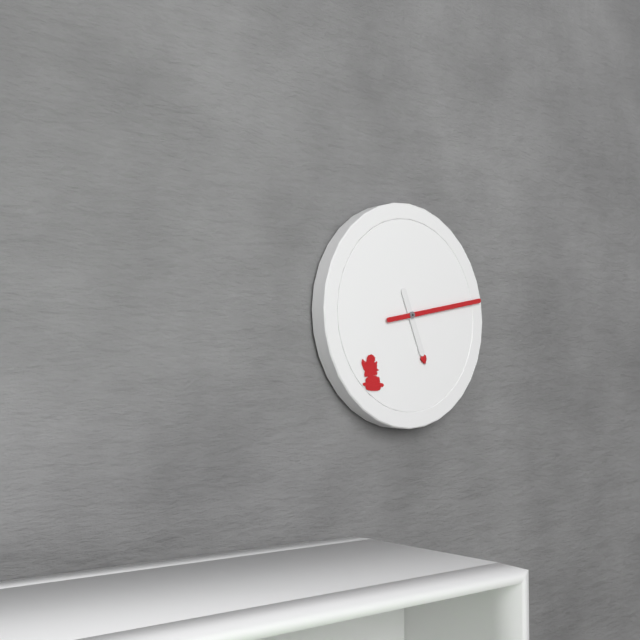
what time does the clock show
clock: 5:13
